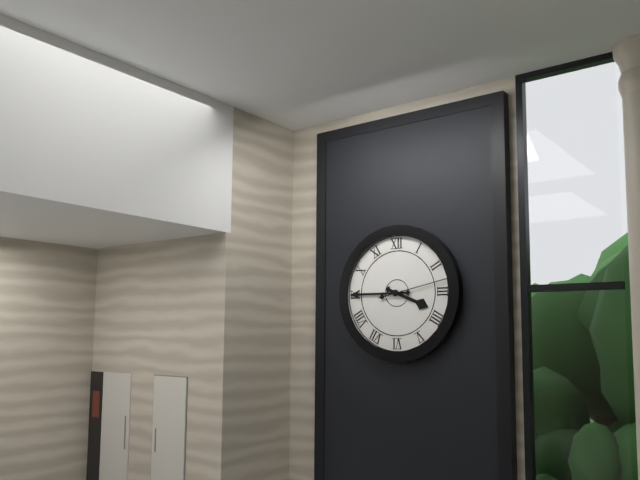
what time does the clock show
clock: 3:45:13
